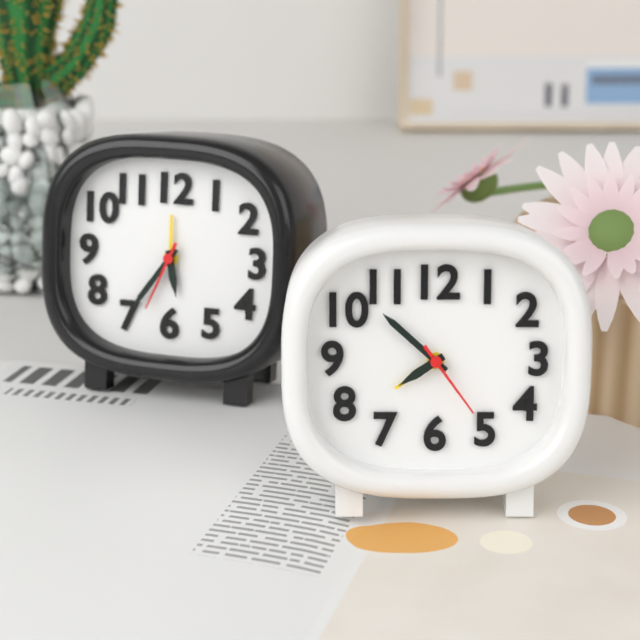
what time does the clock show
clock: 7:52:24
